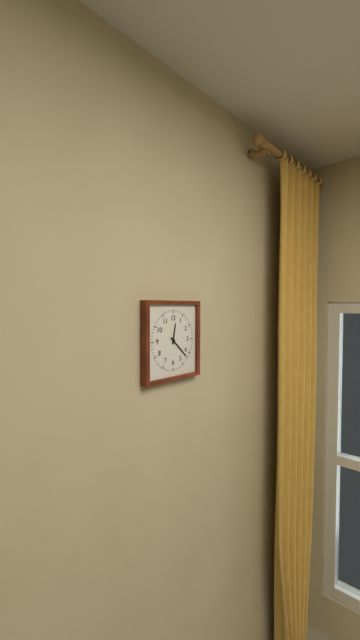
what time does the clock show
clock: 12:22
